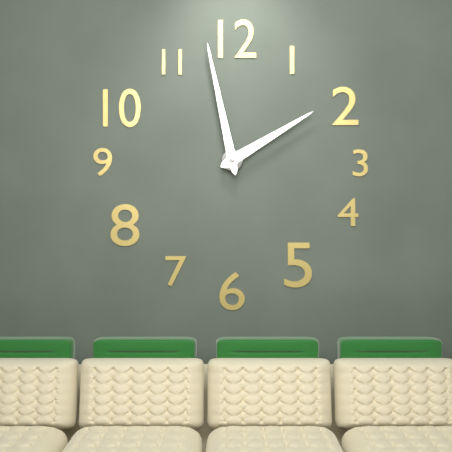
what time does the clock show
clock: 1:58
